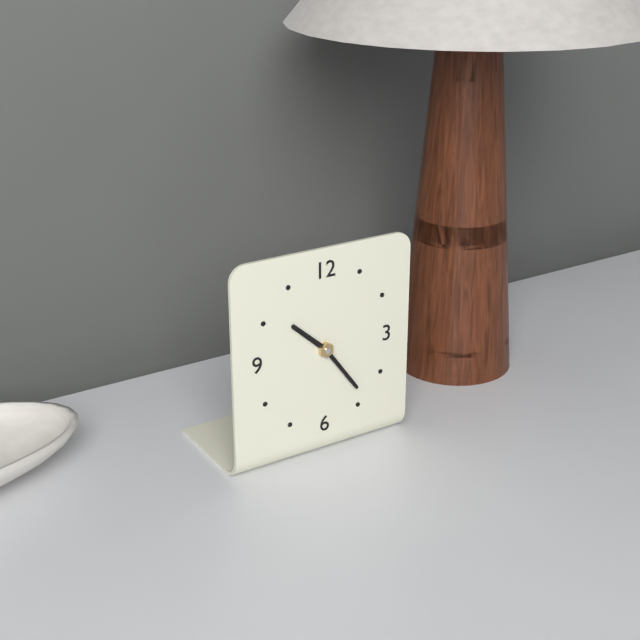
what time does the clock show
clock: 10:24
